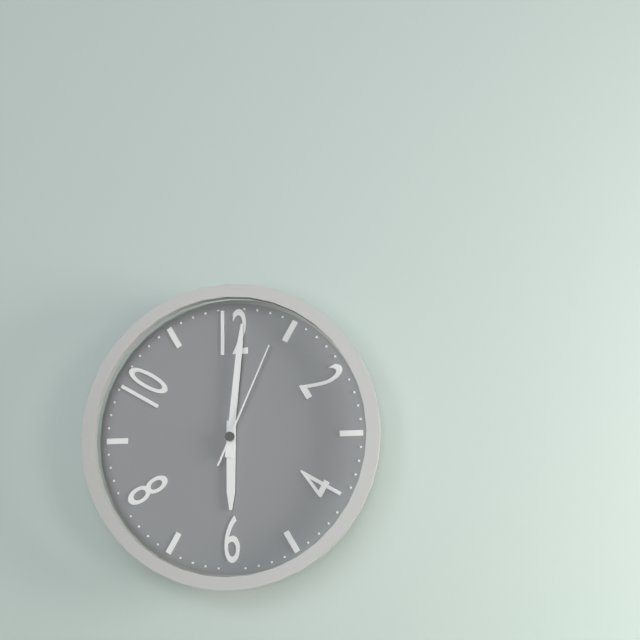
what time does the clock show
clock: 6:01:04
